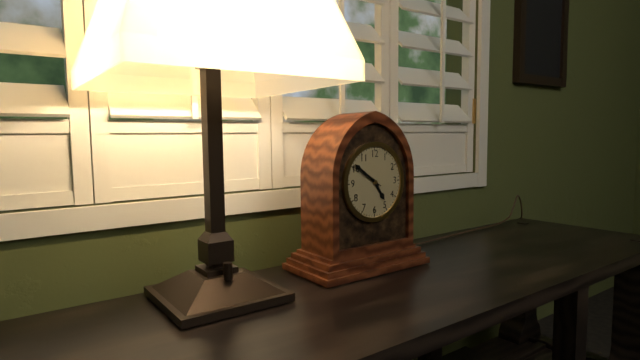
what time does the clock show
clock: 4:51
